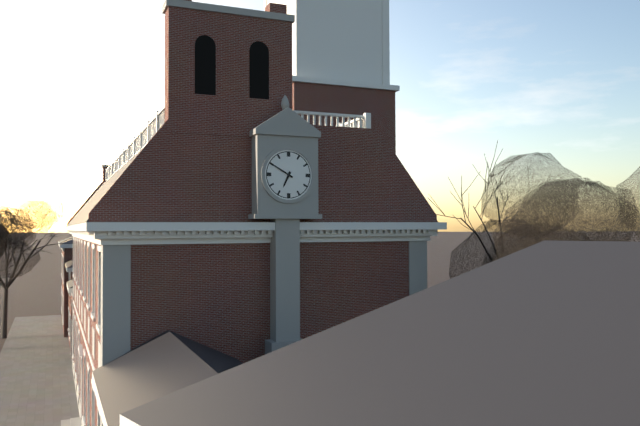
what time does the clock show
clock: 6:50
